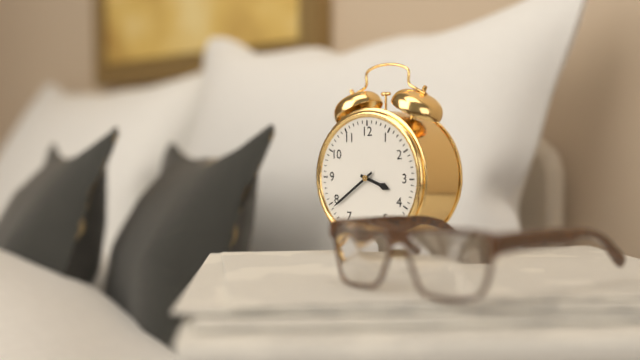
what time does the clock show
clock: 3:39
